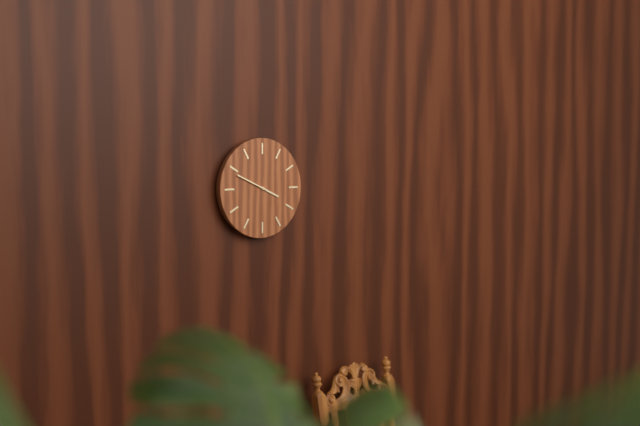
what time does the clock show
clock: 3:49
